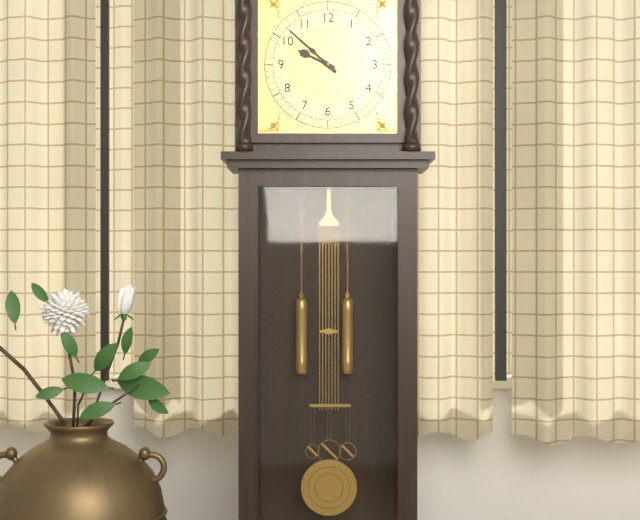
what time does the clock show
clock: 9:52
